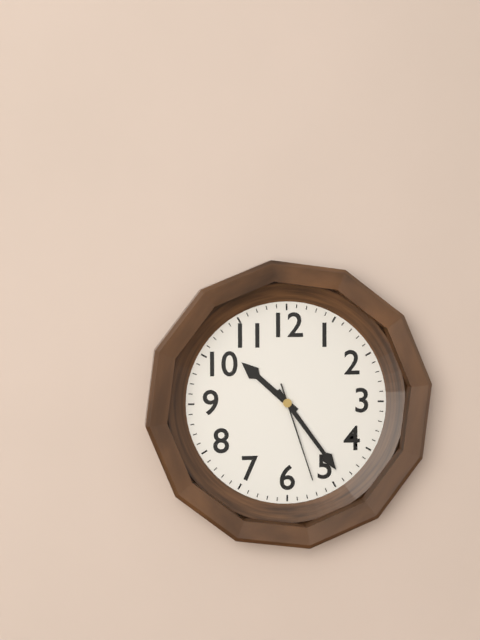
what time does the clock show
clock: 10:24:27
